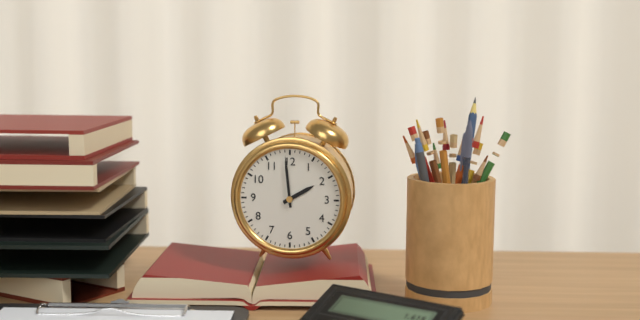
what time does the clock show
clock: 1:59
